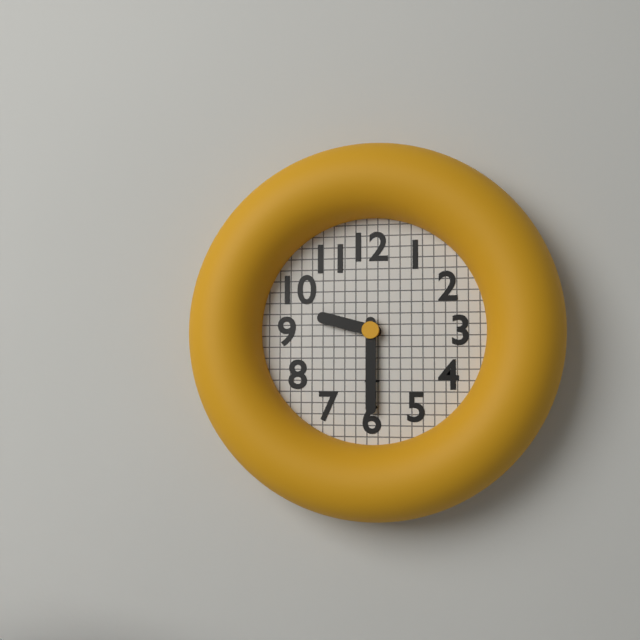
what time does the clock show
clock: 9:30
